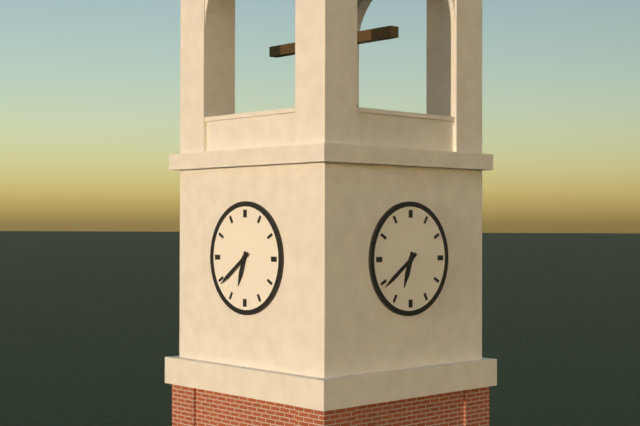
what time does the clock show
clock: 6:39
